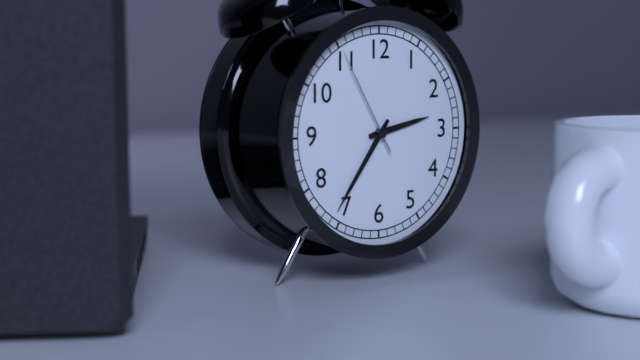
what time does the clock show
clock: 2:36:55
